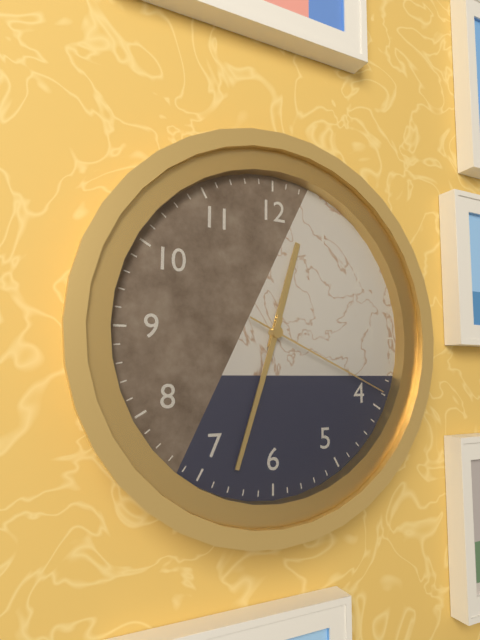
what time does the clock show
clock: 12:33:19
